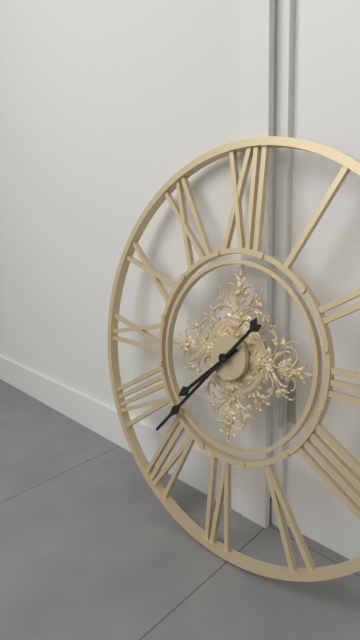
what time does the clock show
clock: 7:37
